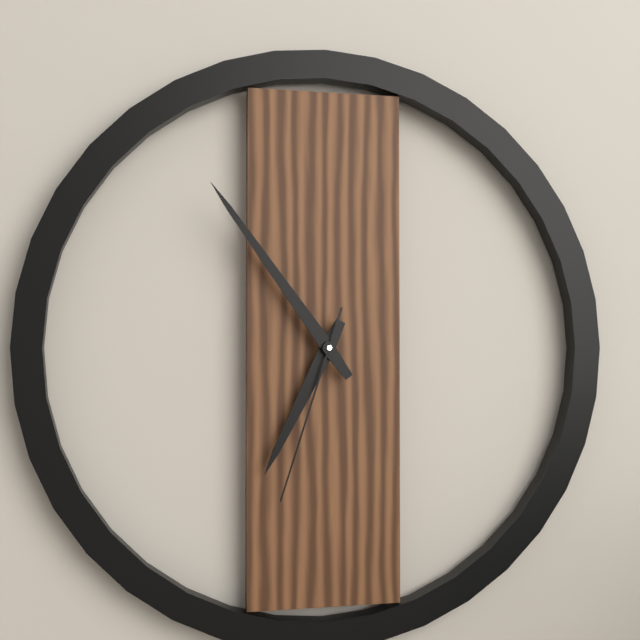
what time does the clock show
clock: 6:54:33
